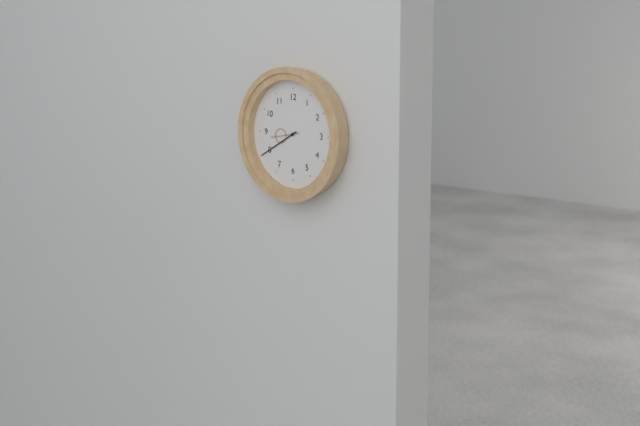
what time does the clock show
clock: 8:40
